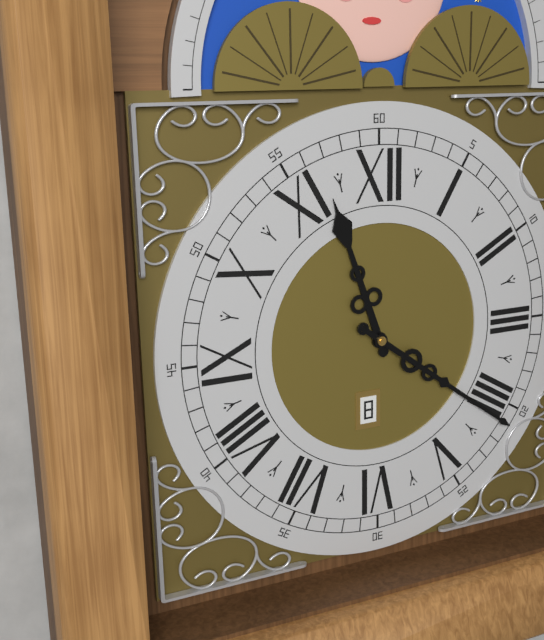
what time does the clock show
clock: 11:21
